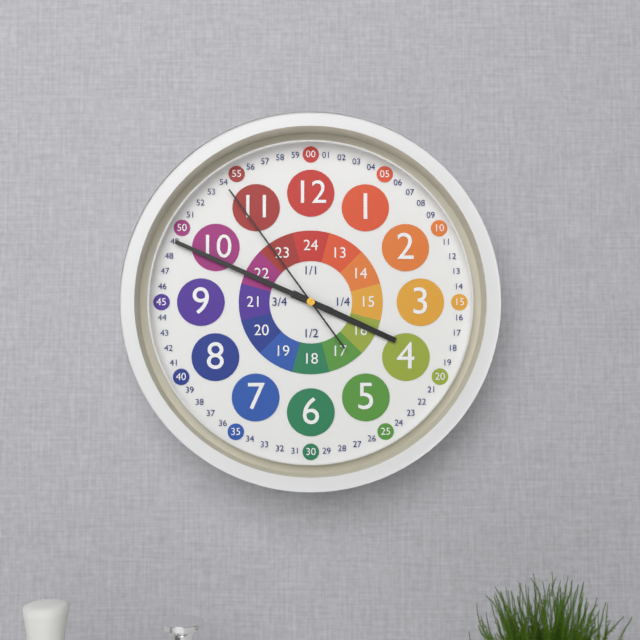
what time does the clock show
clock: 3:49:54
